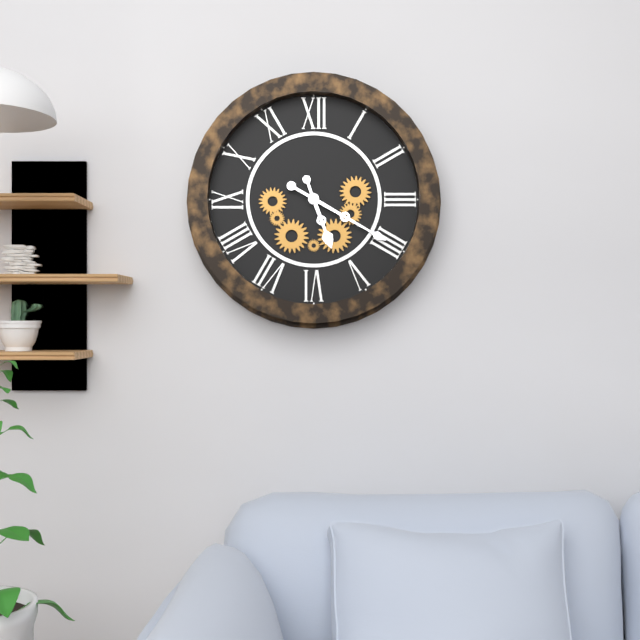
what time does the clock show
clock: 5:20
